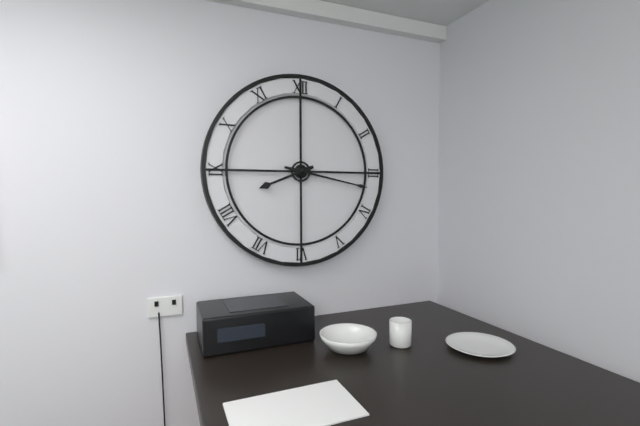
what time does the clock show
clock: 8:17
